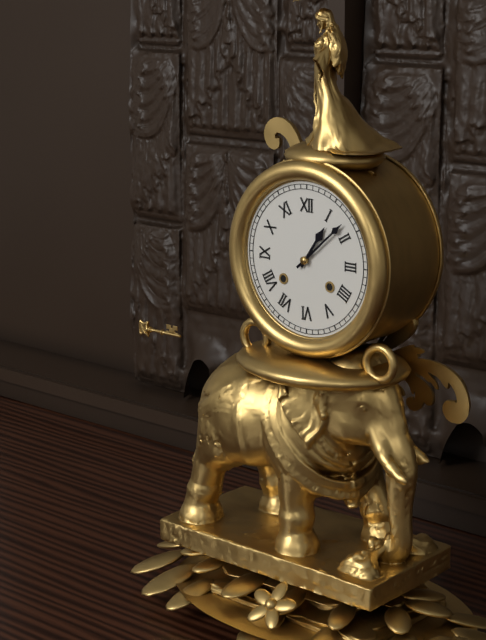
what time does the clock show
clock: 1:08
